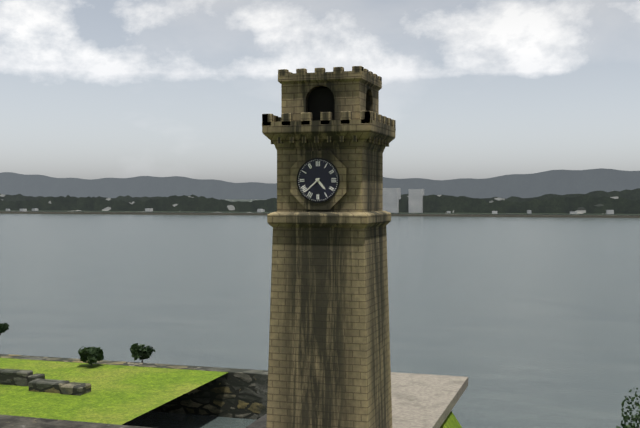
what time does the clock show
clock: 4:38
